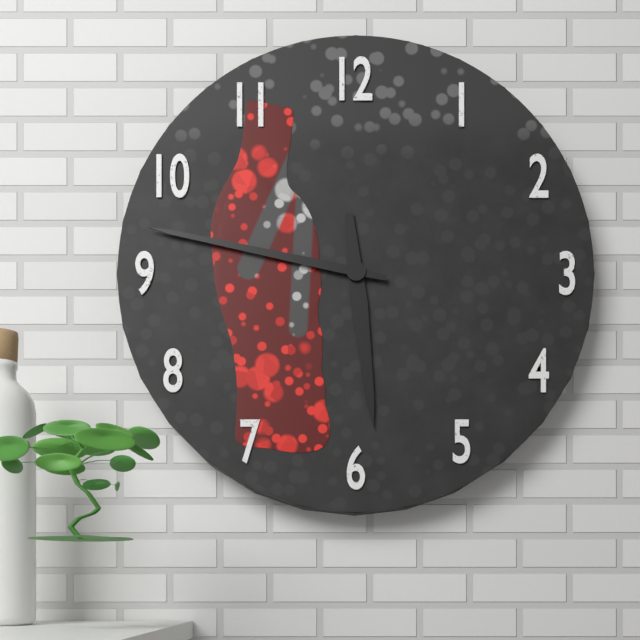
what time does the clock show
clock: 5:47
